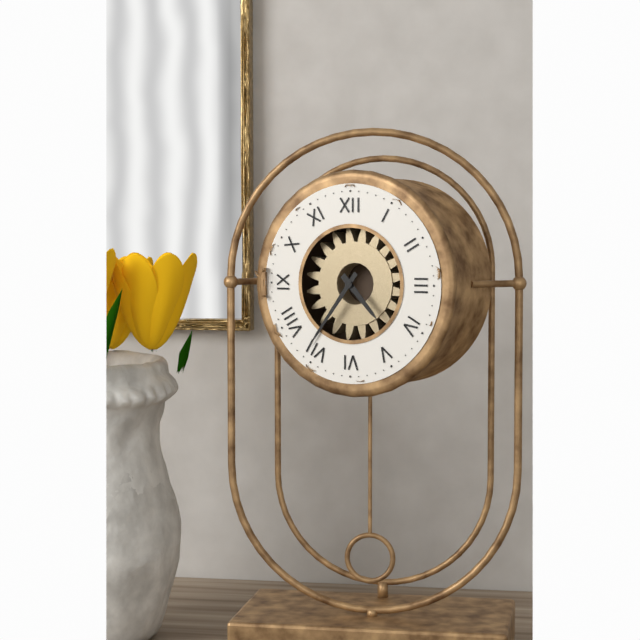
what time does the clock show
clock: 4:36
